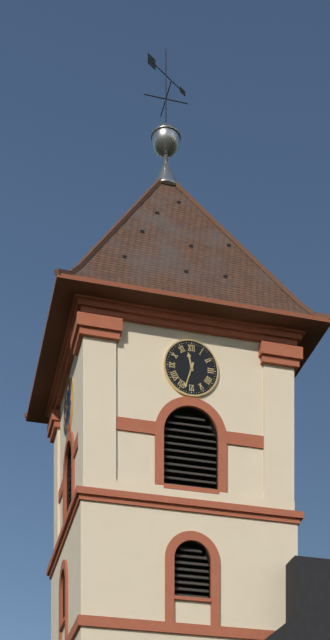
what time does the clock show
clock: 11:33
